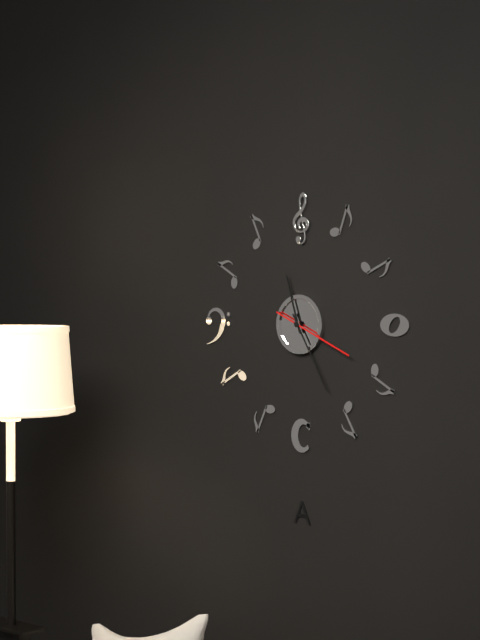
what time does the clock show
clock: 11:25:19
